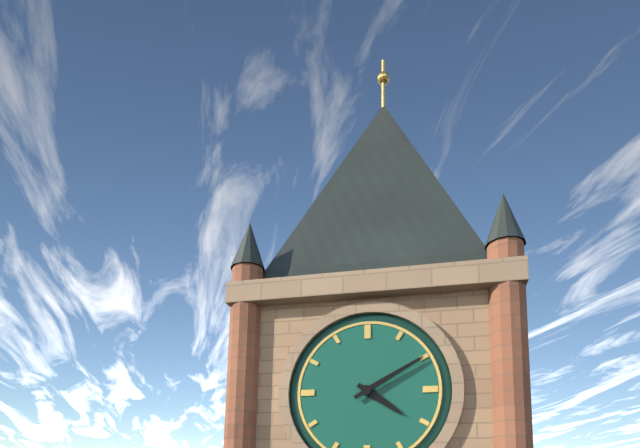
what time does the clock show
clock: 4:10
